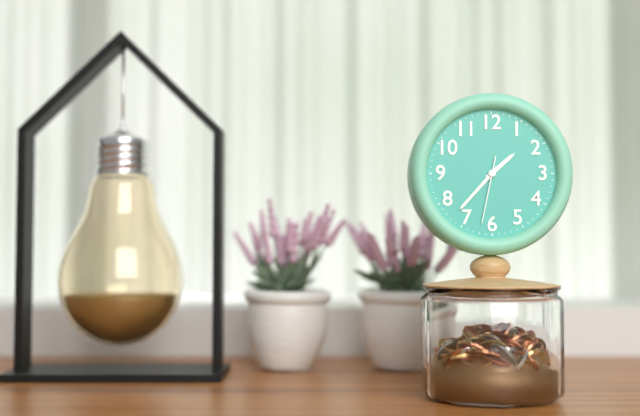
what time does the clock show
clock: 1:37:32
